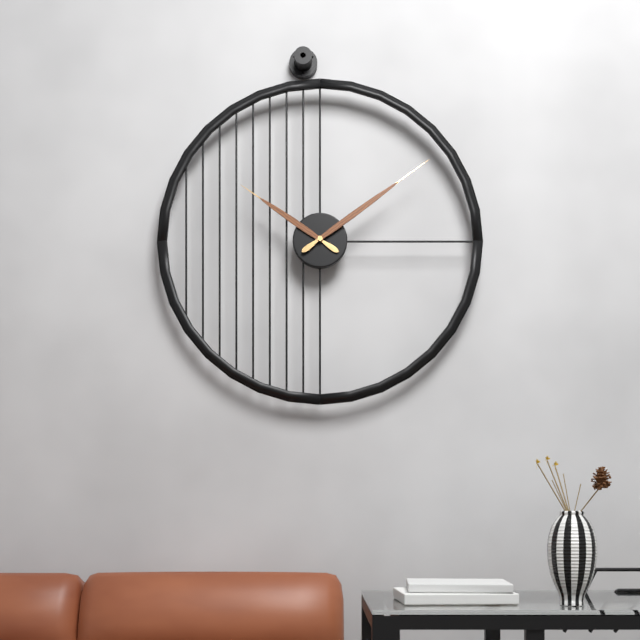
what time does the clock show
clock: 10:09
